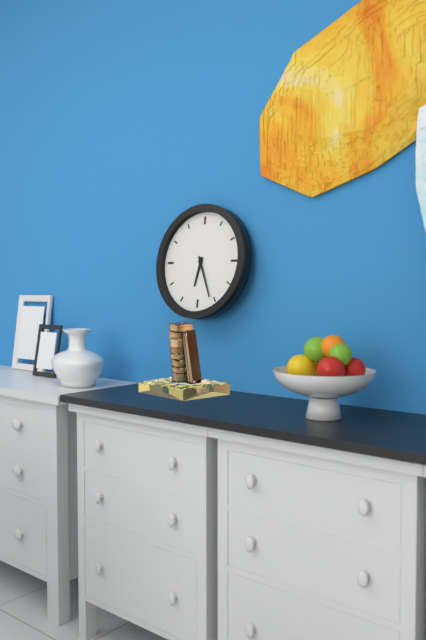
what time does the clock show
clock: 6:26
